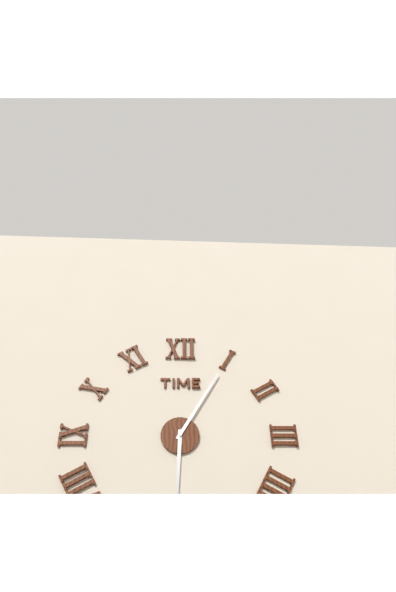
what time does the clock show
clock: 6:05
